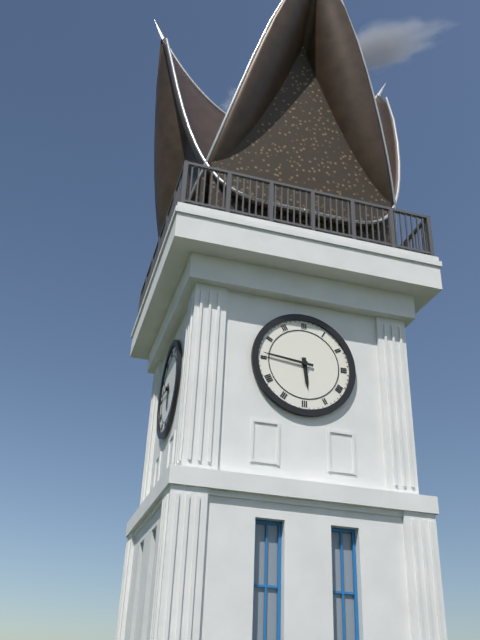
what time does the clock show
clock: 5:46
